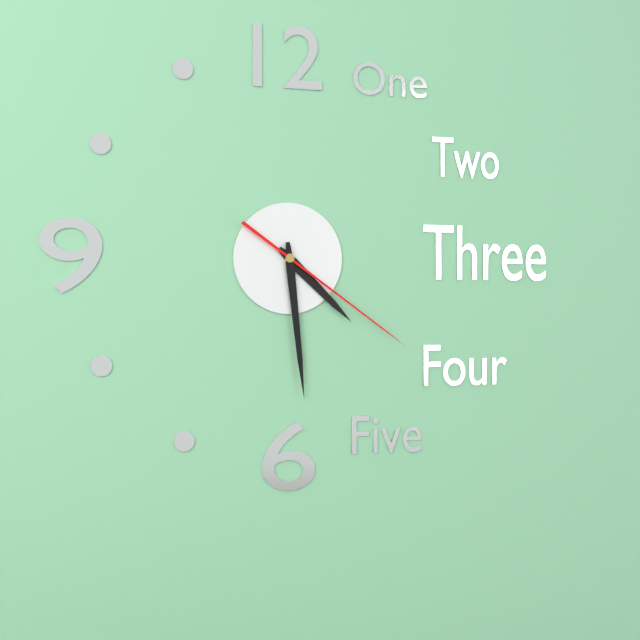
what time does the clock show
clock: 4:29:21
